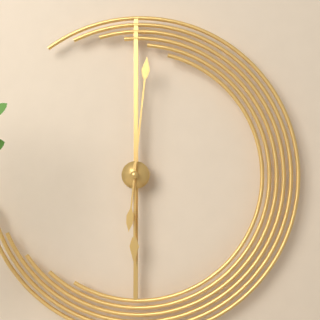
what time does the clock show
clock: 6:01
